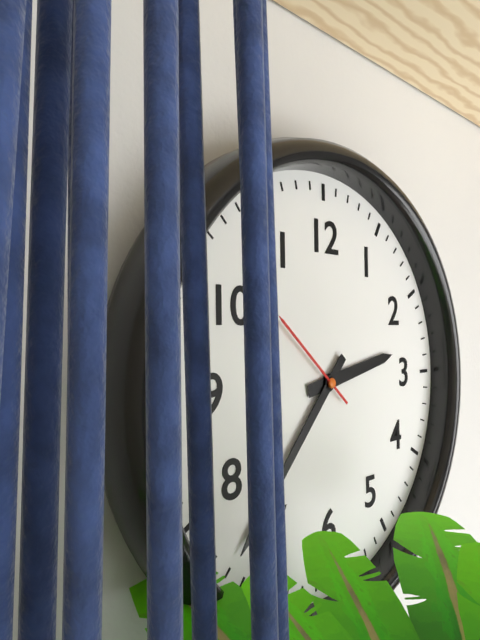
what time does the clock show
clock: 2:37:52
